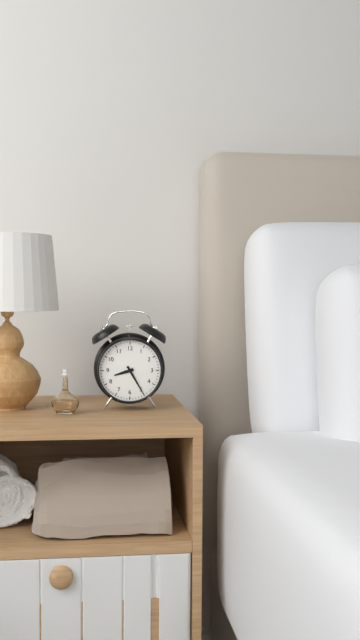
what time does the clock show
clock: 8:25
